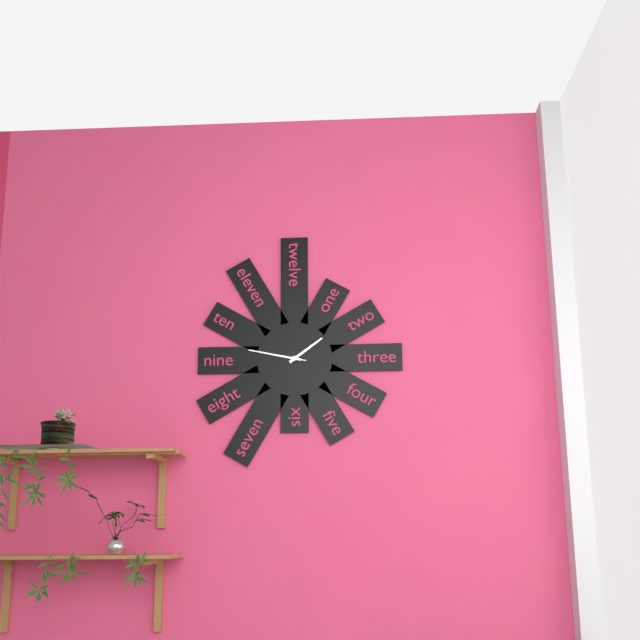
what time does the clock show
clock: 1:47
